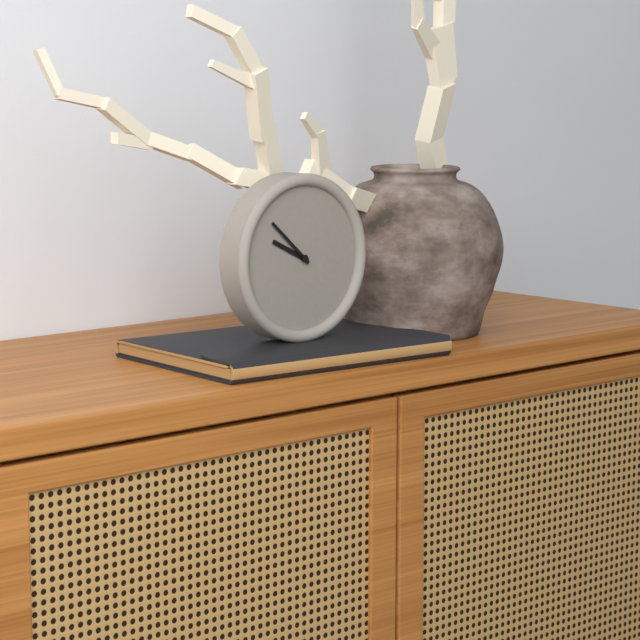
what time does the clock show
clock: 9:52
